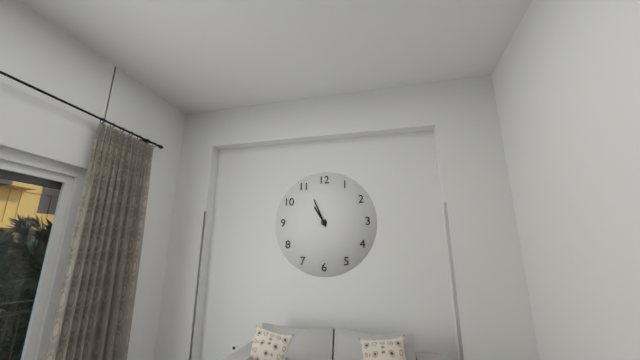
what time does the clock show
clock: 10:56
